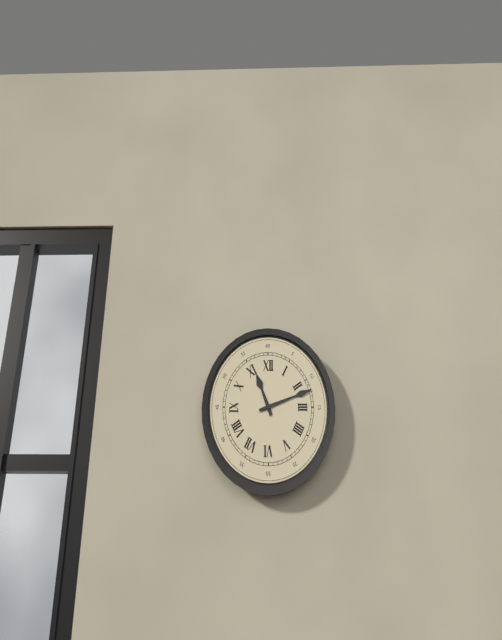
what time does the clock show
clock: 11:12
